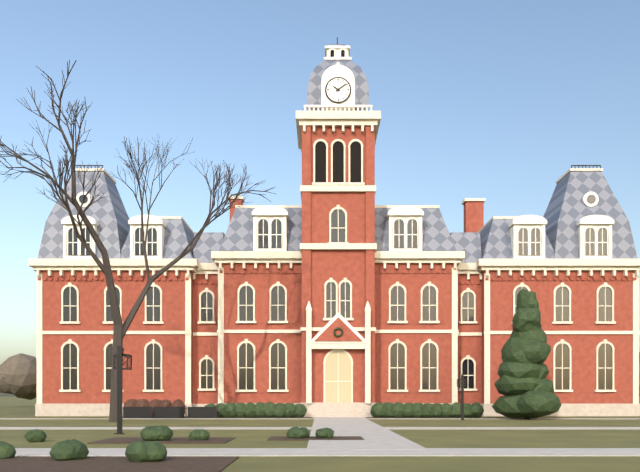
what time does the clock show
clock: 10:09
